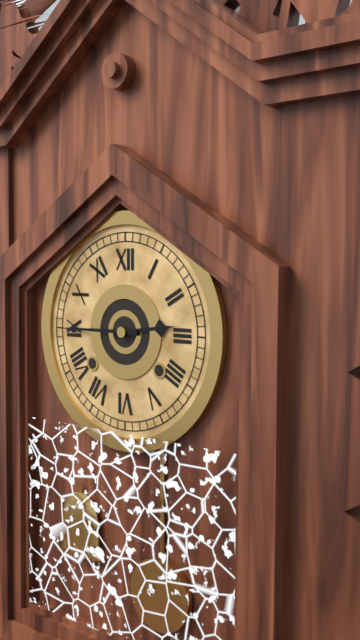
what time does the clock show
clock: 2:45
